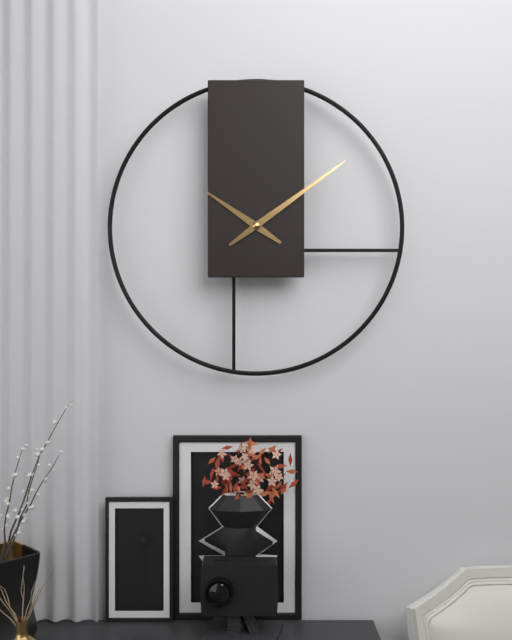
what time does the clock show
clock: 10:09
